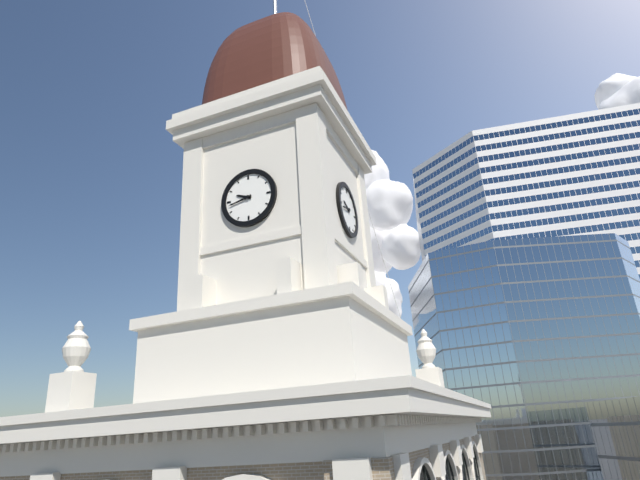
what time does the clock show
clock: 9:43
